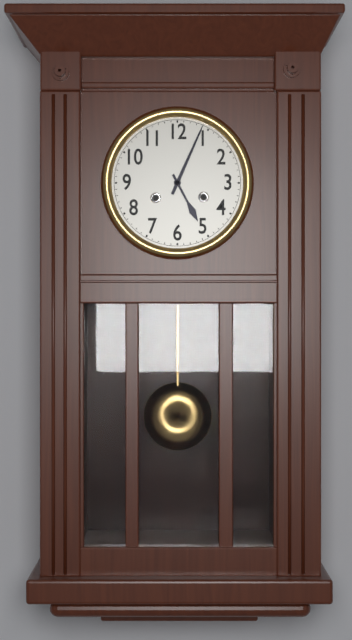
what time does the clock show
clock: 5:04
